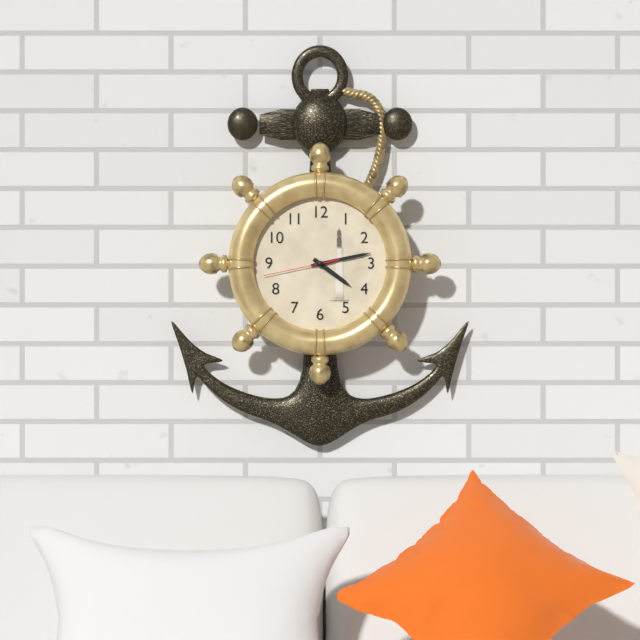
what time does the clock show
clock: 4:13:43
